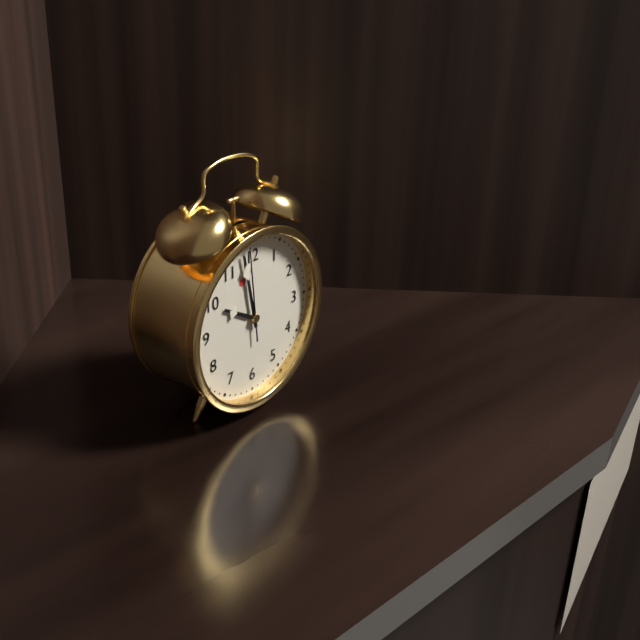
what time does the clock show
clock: 9:58:59
